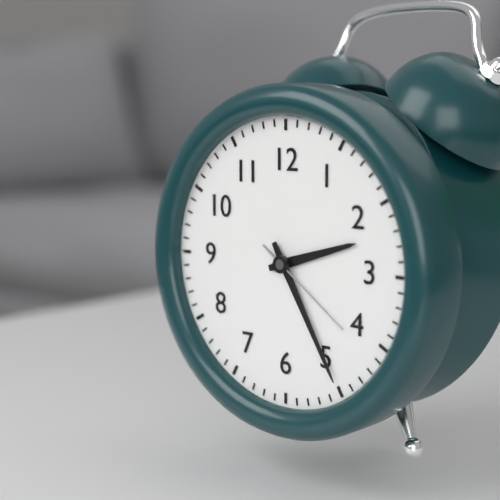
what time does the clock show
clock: 2:25:21
